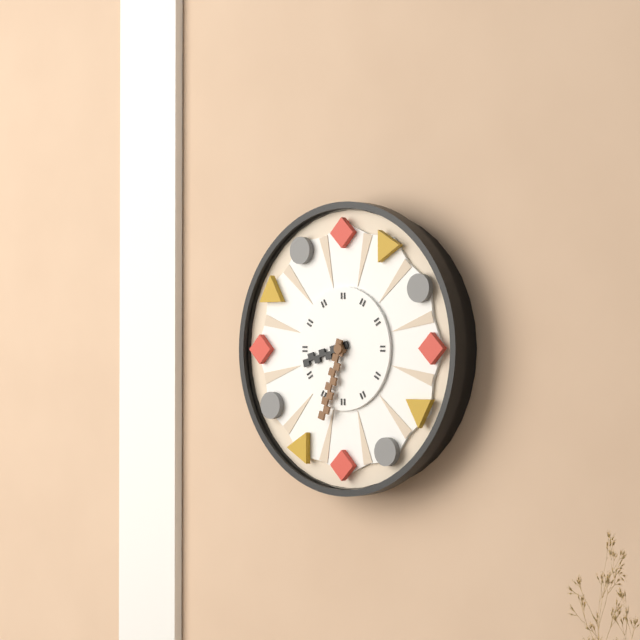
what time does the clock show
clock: 8:33
